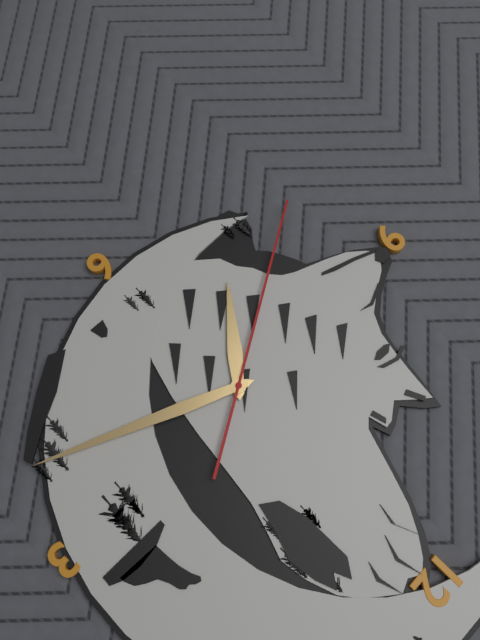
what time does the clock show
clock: 7:19:40
